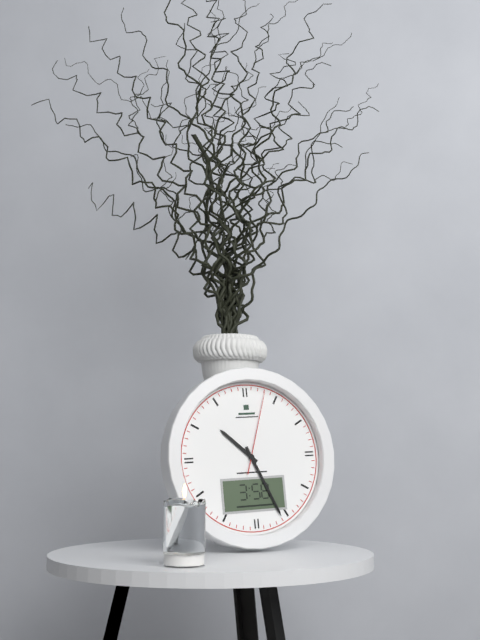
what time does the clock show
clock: 10:26:03
